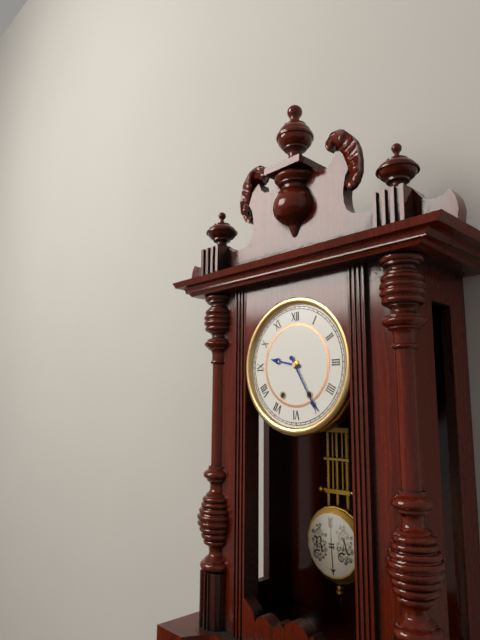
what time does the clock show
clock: 9:25
